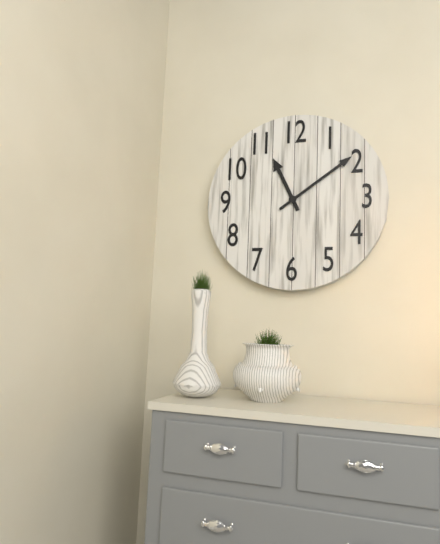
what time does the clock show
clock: 11:09
